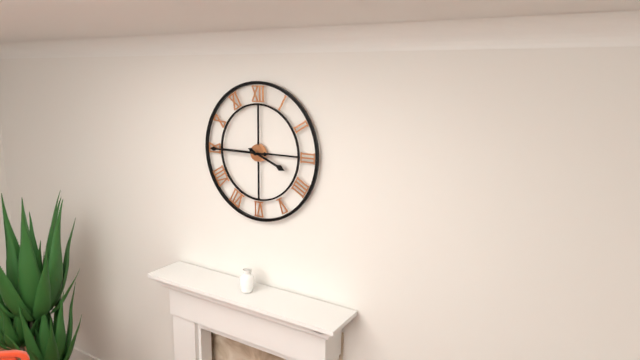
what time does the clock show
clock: 3:45
